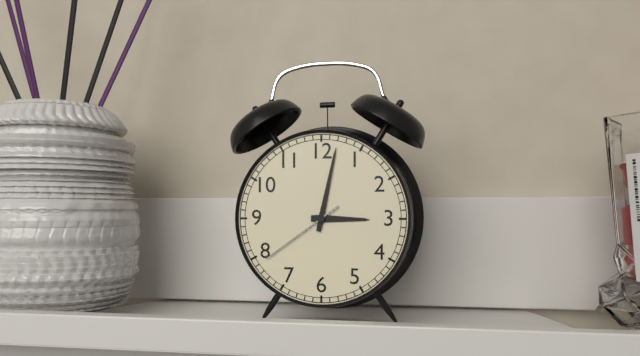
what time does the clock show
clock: 3:02:39
